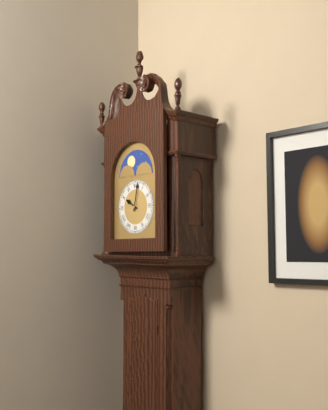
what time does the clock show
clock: 10:02
